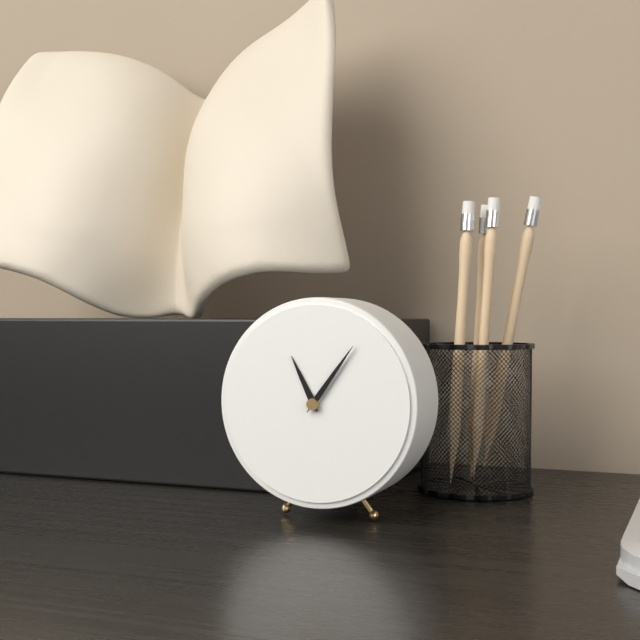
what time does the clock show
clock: 11:06
